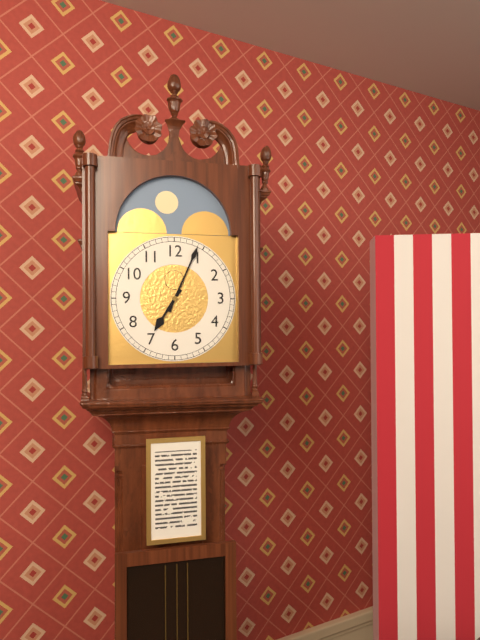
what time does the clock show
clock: 7:04
